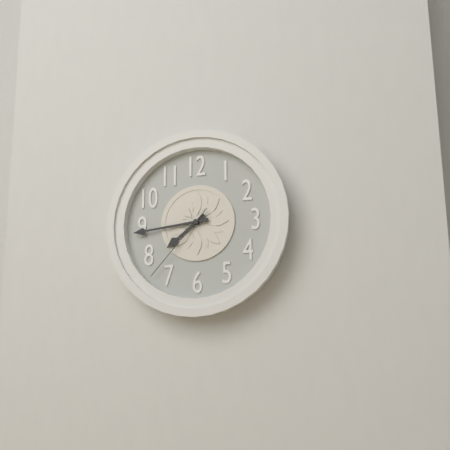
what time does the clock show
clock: 7:44:37
